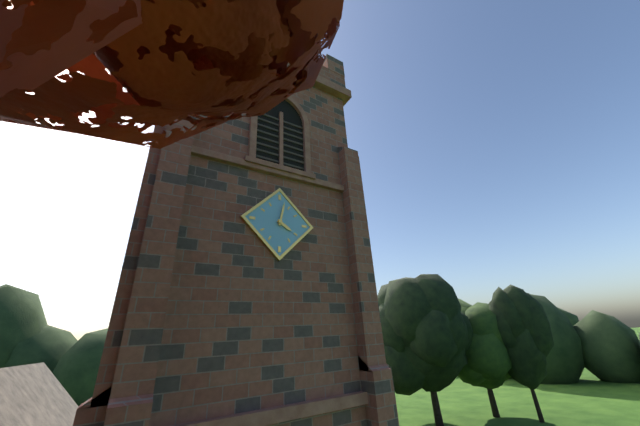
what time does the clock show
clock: 4:02
